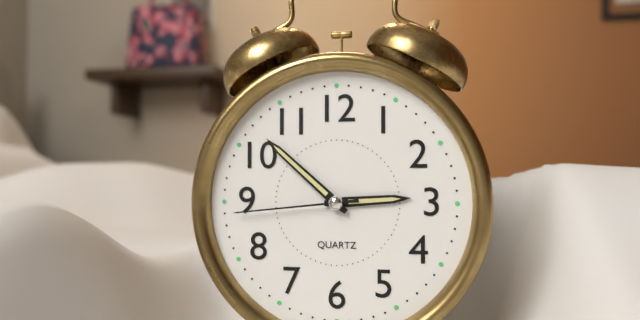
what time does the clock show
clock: 2:52:44
